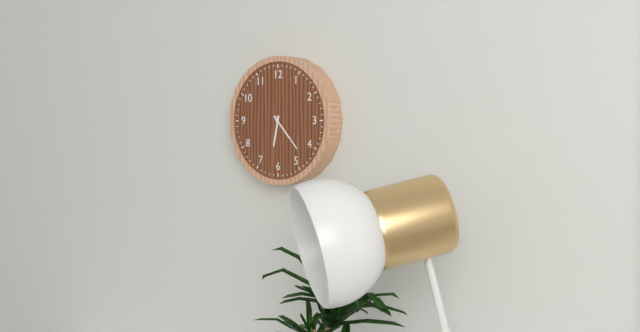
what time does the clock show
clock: 6:23
